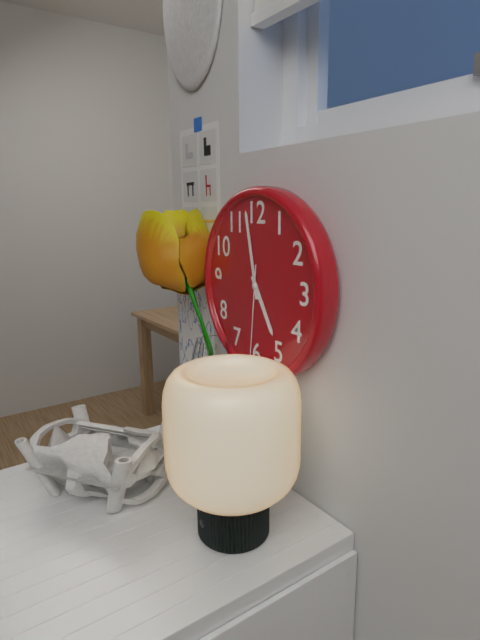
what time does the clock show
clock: 4:58:31
